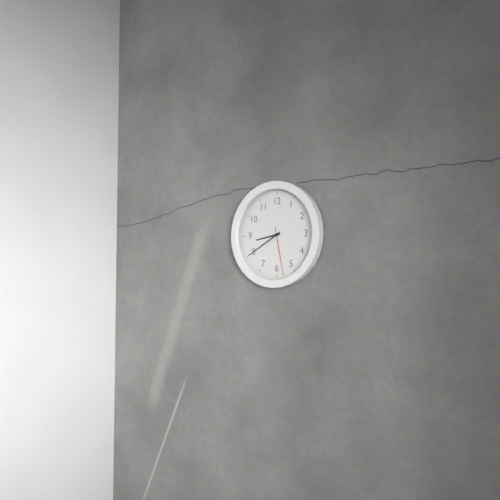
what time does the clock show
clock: 8:40:28
